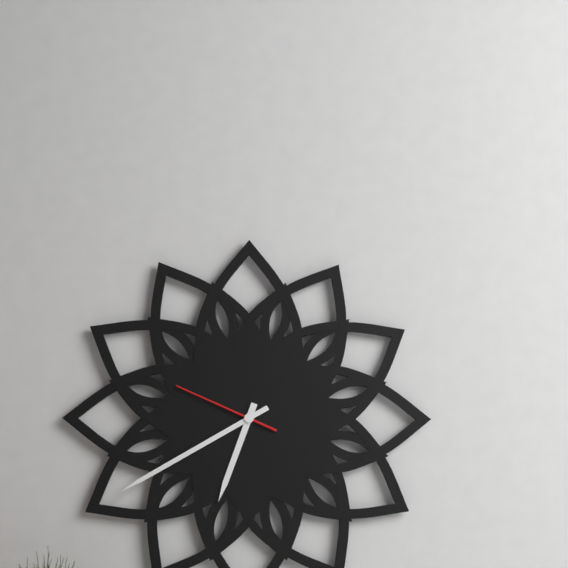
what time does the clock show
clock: 6:40:49
